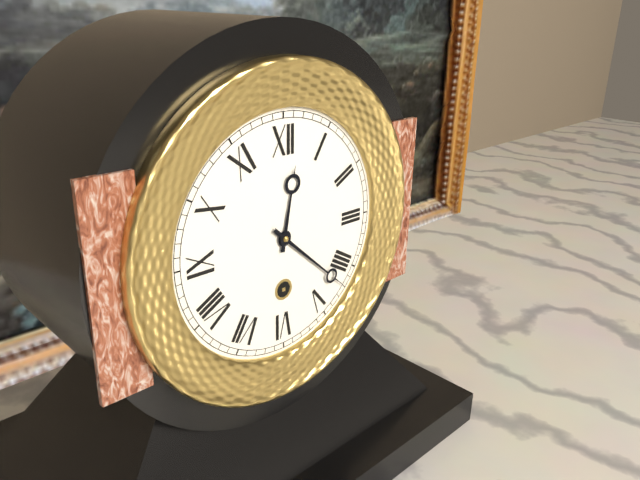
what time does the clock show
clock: 12:22
